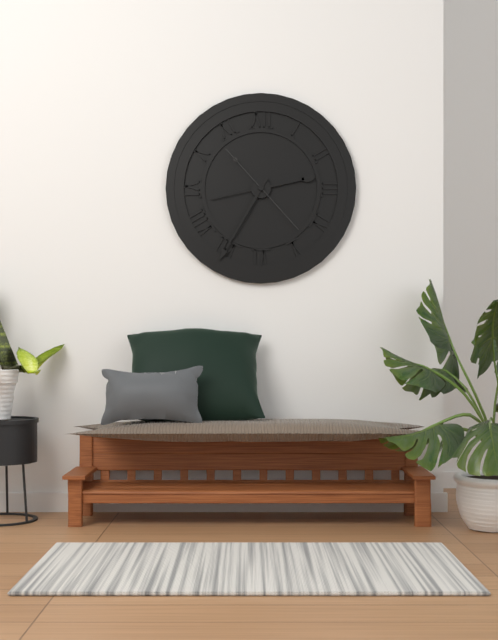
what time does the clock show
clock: 2:35:23
